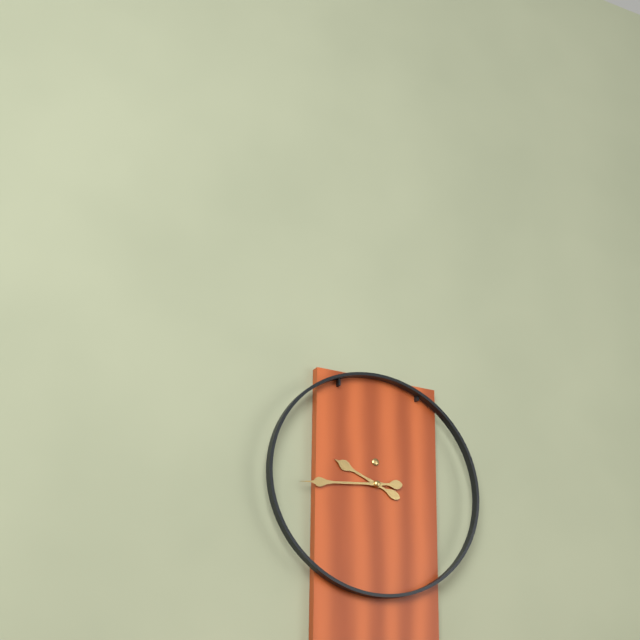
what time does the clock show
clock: 9:44
